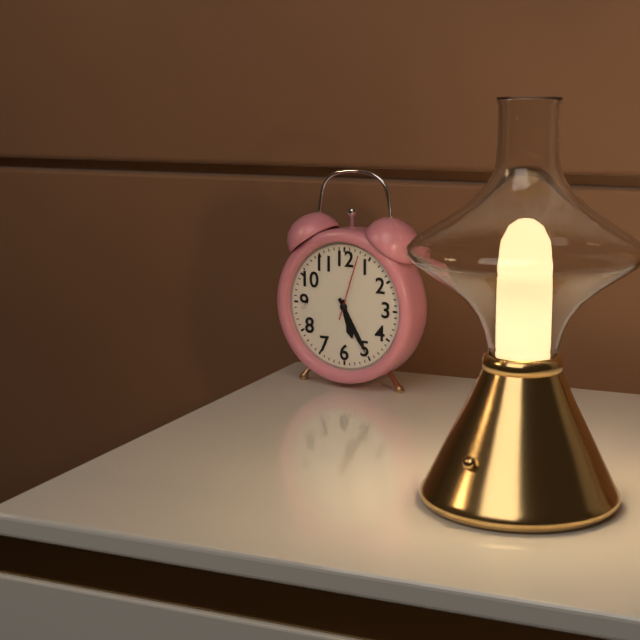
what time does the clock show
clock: 5:25:03
